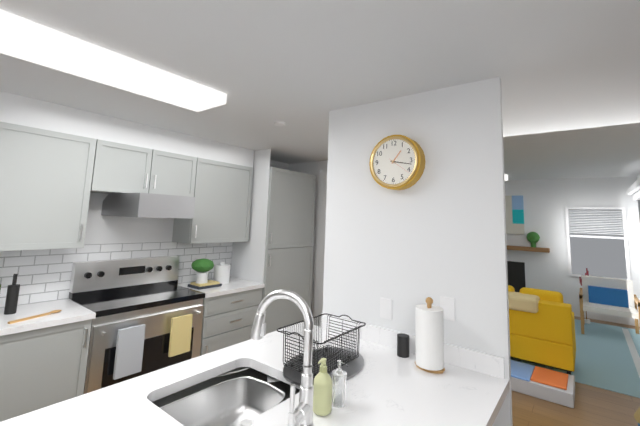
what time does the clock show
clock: 1:17
